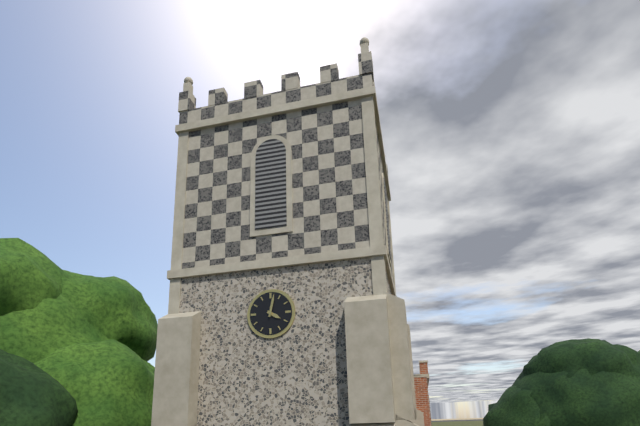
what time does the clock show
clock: 4:02
